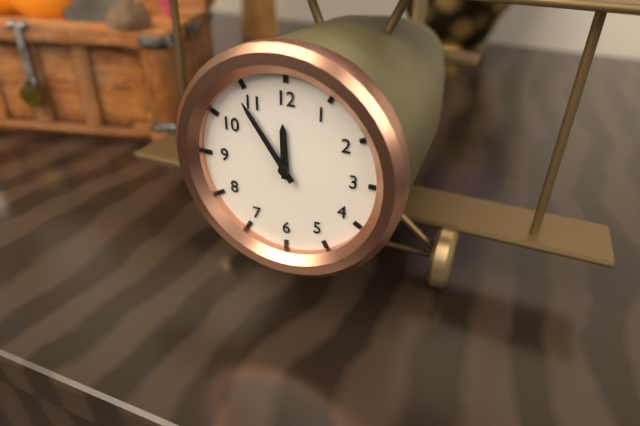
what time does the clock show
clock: 11:54
